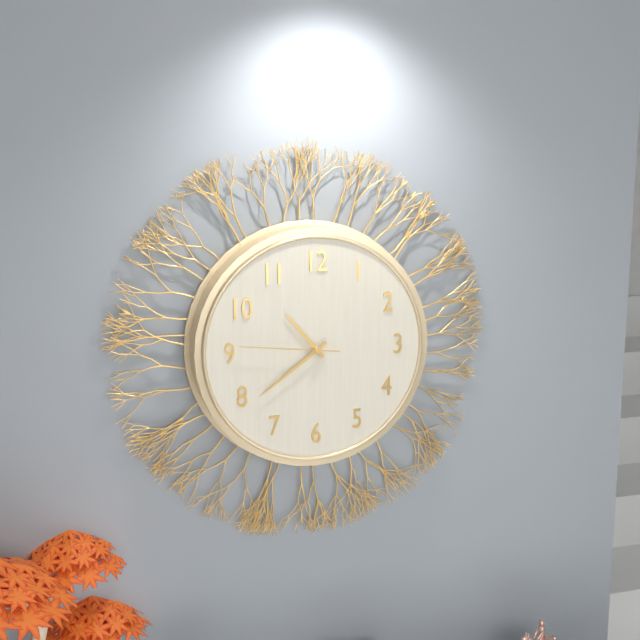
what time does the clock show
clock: 10:39:46
